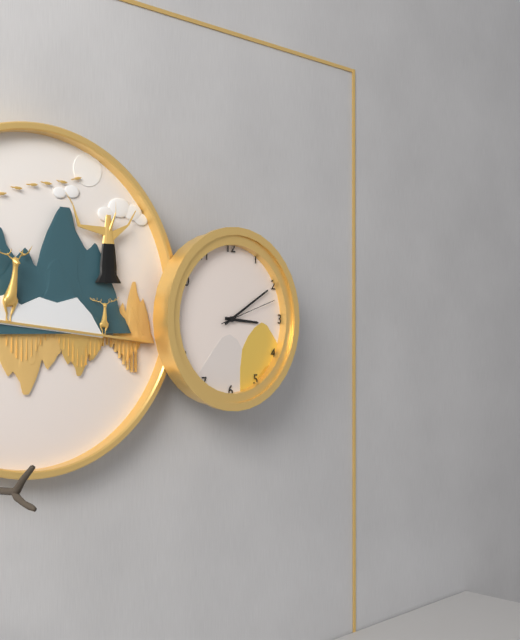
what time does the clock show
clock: 3:10:12
